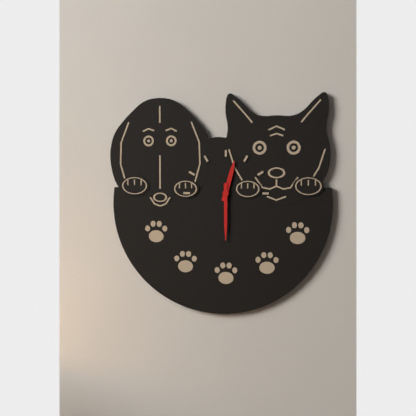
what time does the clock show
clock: 12:30
